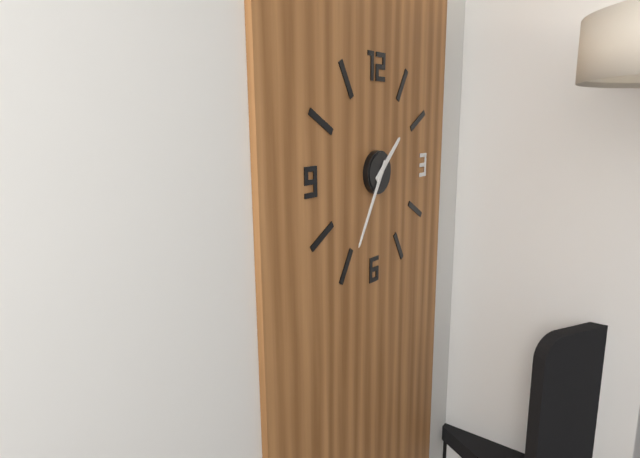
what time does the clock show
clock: 1:35
